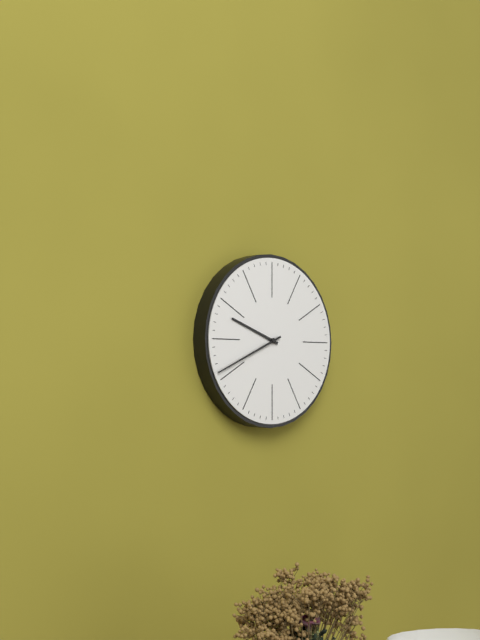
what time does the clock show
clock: 9:41
